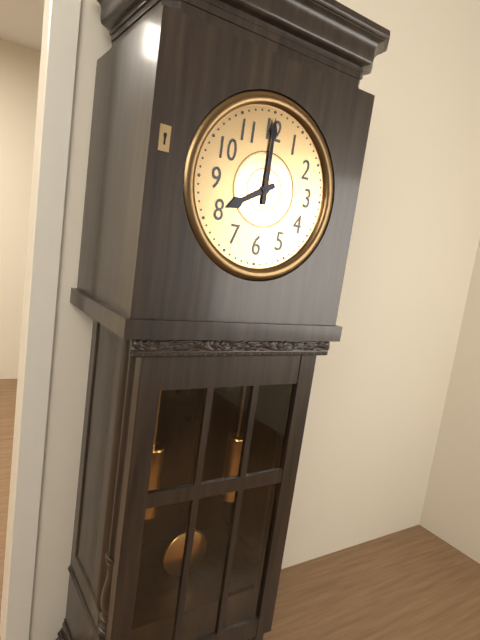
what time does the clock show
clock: 8:00
